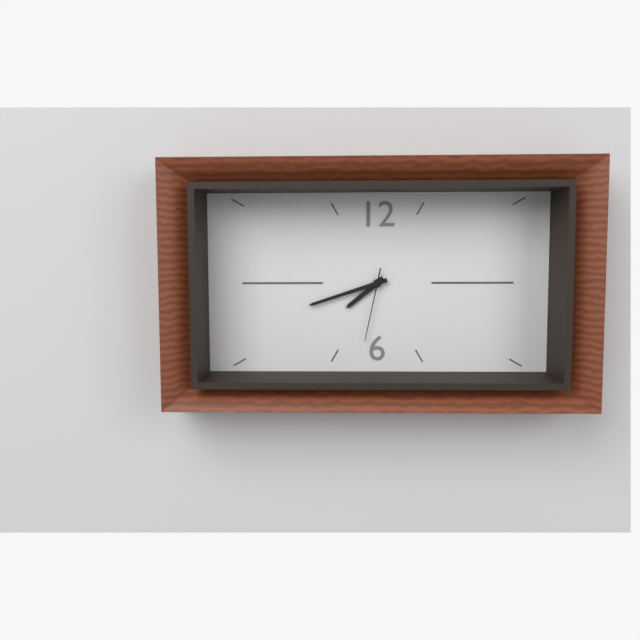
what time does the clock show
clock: 7:42:32
